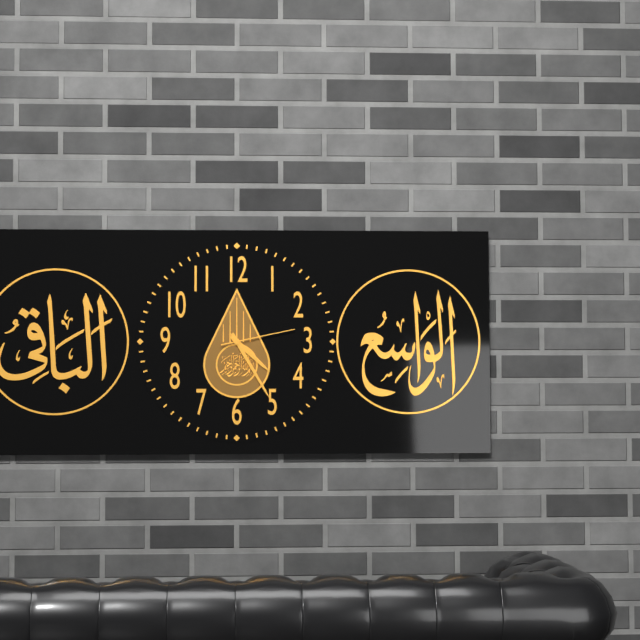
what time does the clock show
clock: 4:25:13
